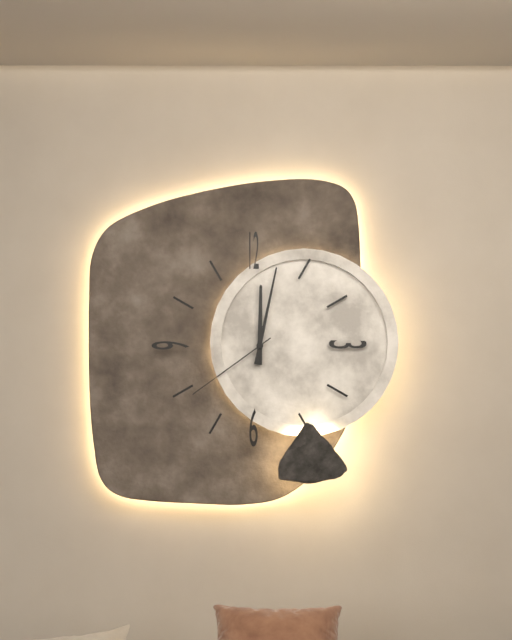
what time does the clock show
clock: 12:02:39
